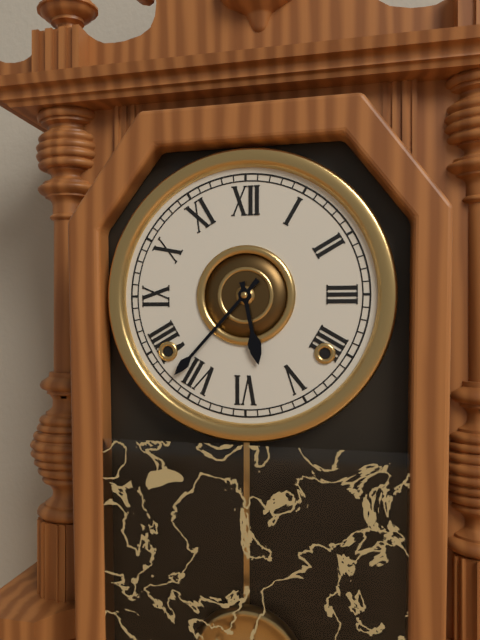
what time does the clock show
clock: 5:37
